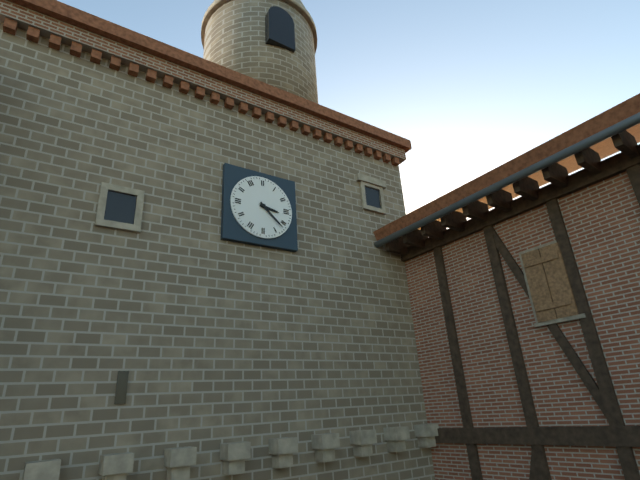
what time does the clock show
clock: 3:22
